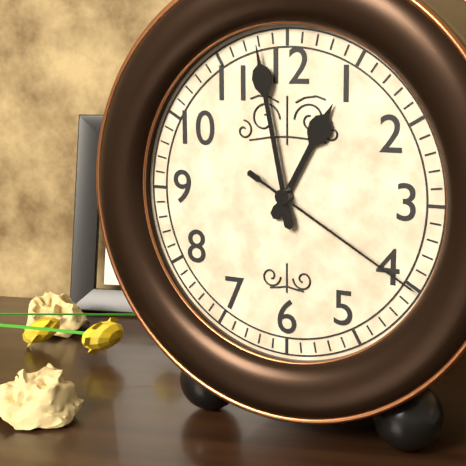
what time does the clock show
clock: 12:58:20
